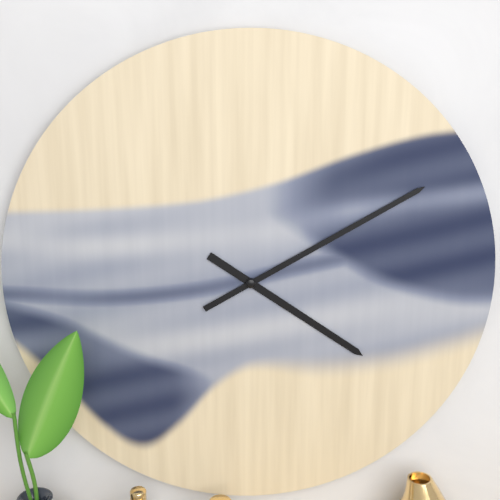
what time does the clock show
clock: 4:10
